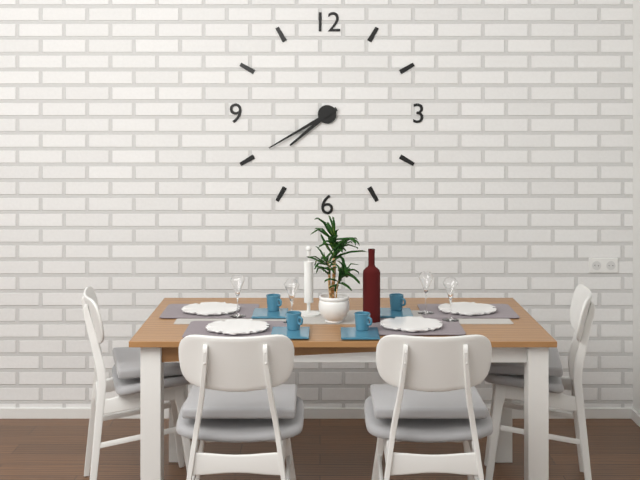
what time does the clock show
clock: 7:40
